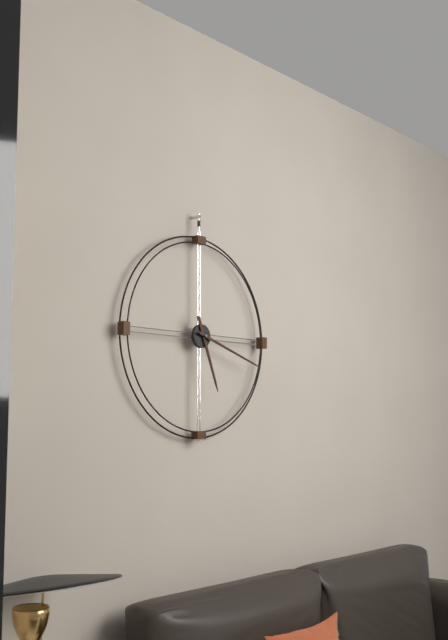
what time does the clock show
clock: 5:18
